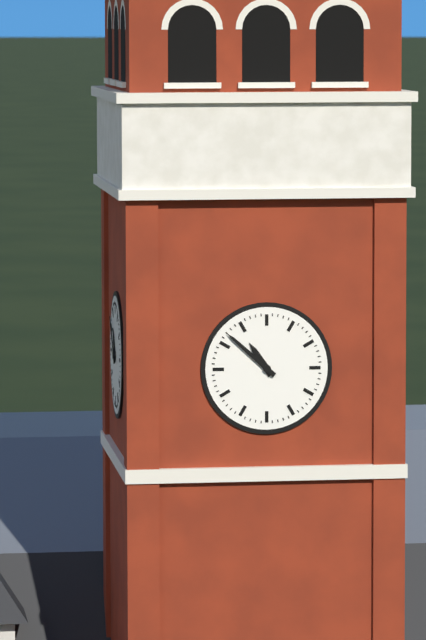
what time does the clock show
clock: 10:52
